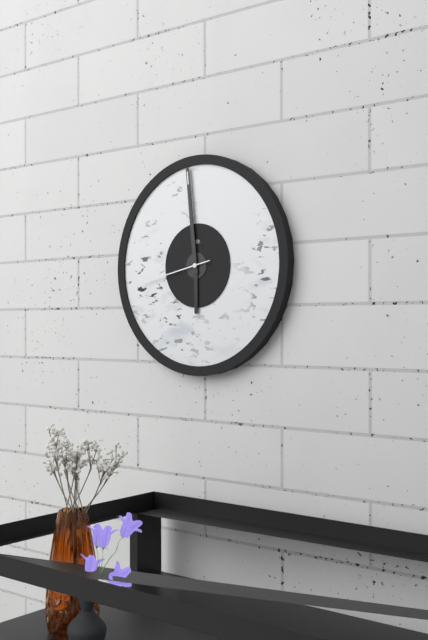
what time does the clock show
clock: 5:59:43
